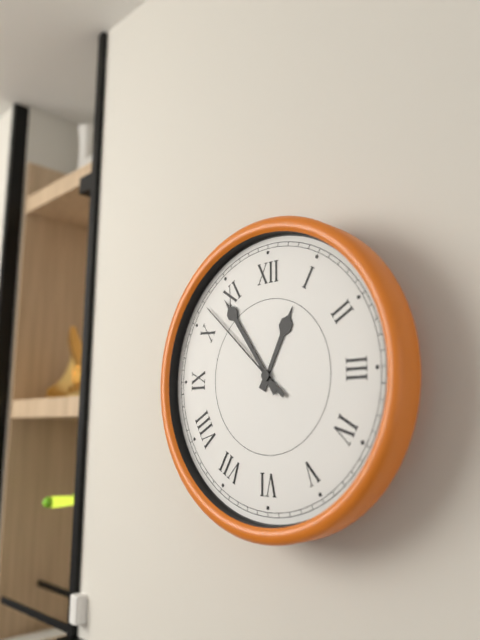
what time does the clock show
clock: 12:54:52
